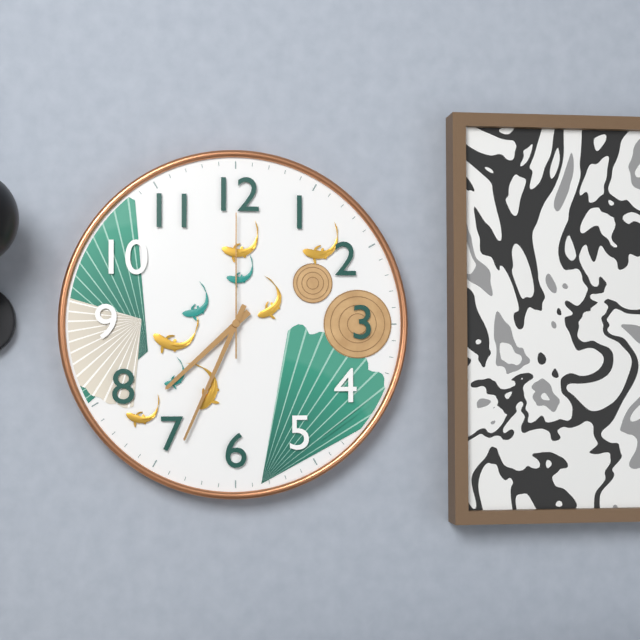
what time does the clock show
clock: 7:34:00
